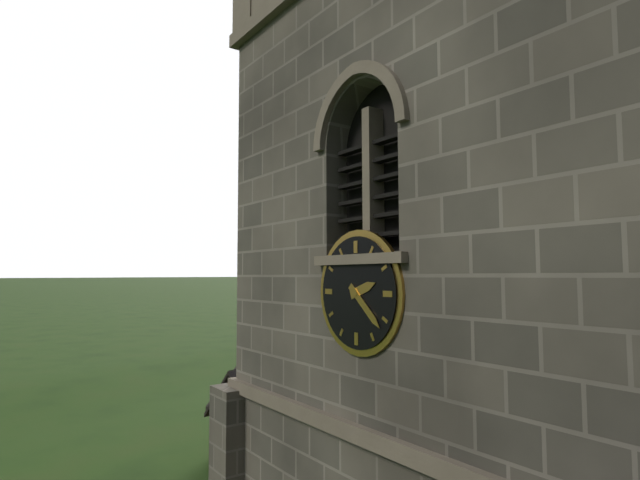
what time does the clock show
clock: 2:22
